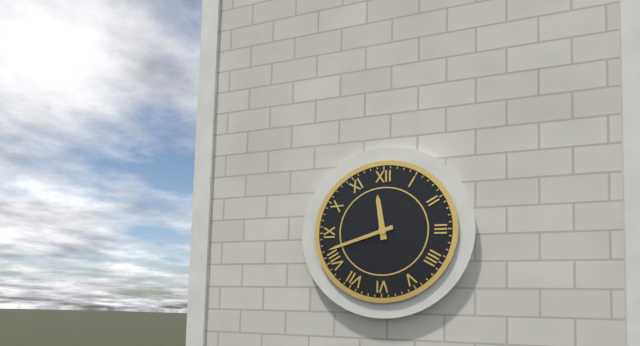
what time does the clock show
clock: 11:42
